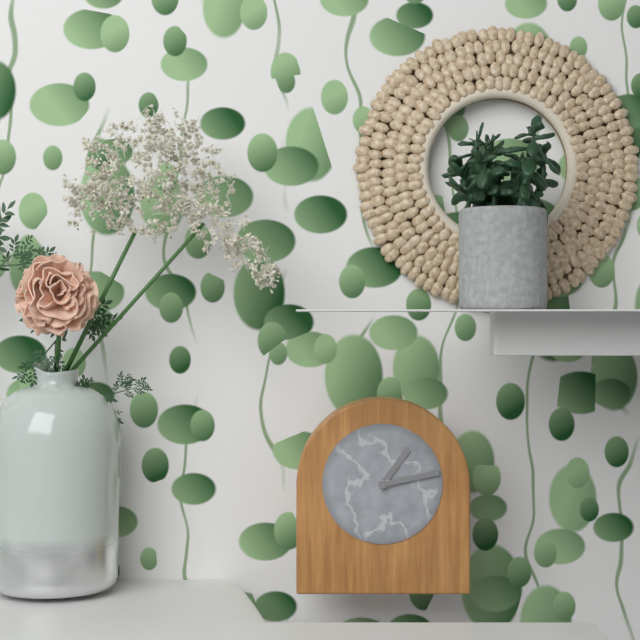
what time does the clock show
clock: 1:13
